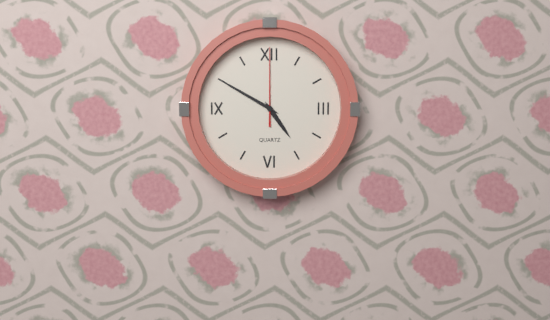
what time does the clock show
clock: 4:50:00
